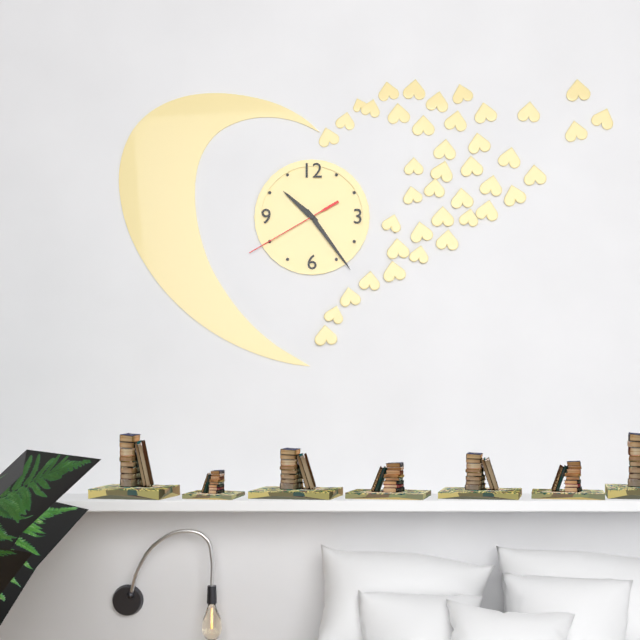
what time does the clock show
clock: 10:24:40
